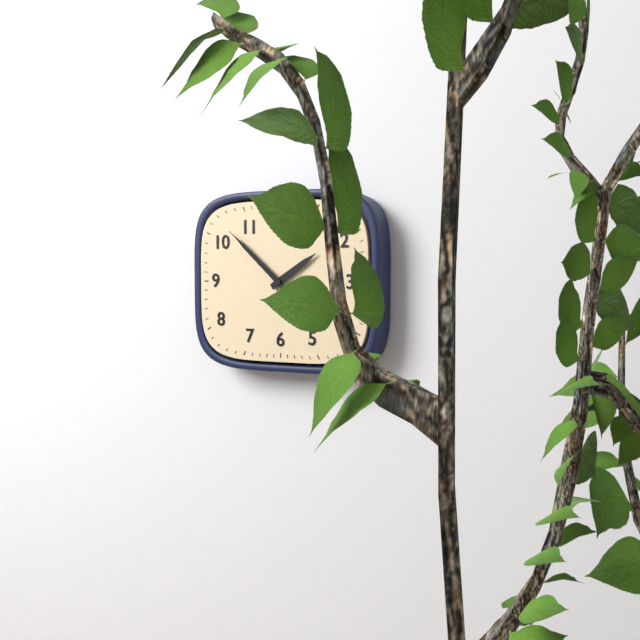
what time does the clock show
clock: 1:52:52
